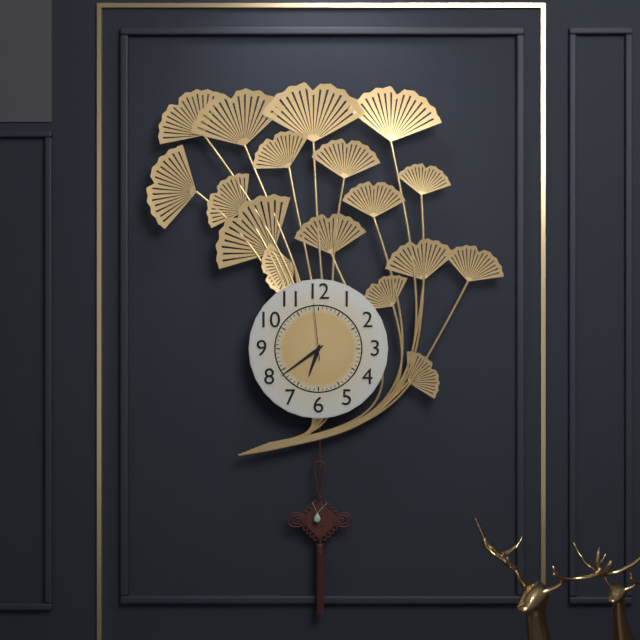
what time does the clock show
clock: 6:39:59
